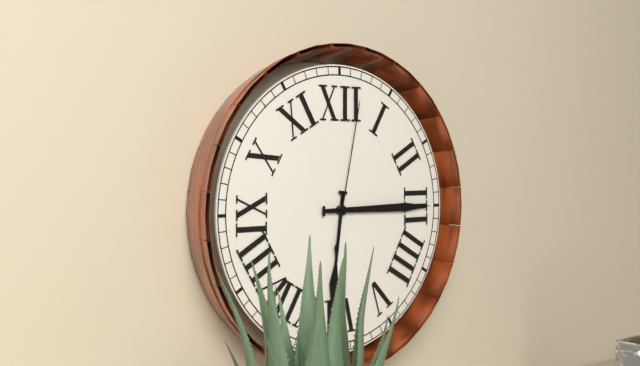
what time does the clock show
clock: 6:15:02
